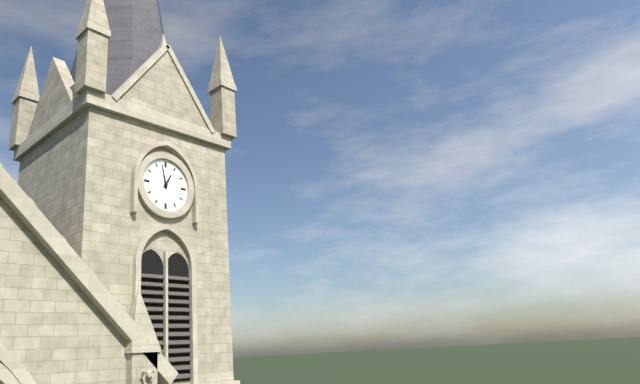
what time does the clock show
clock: 12:58
